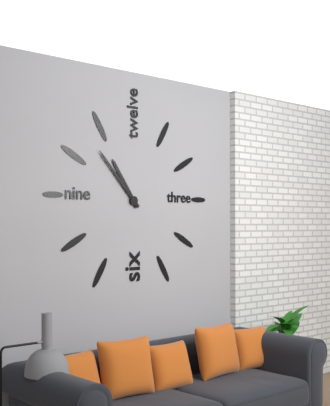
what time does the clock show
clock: 10:53
